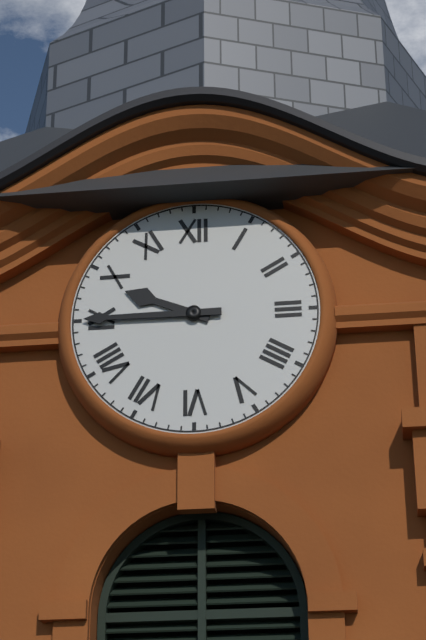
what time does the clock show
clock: 9:45
